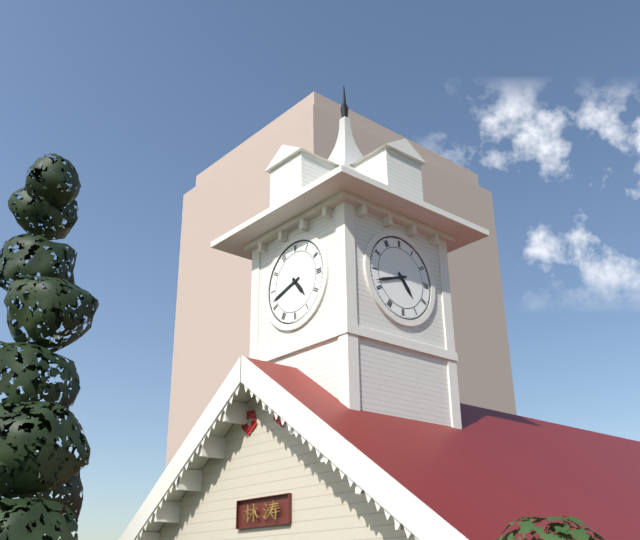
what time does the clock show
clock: 4:42
